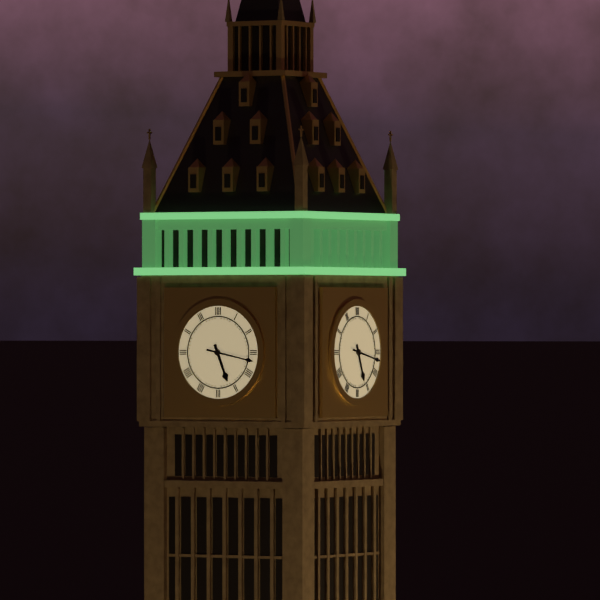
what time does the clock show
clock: 5:17
